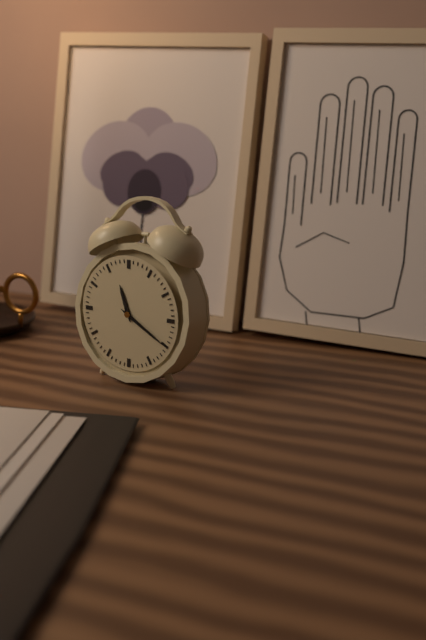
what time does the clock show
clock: 11:20
